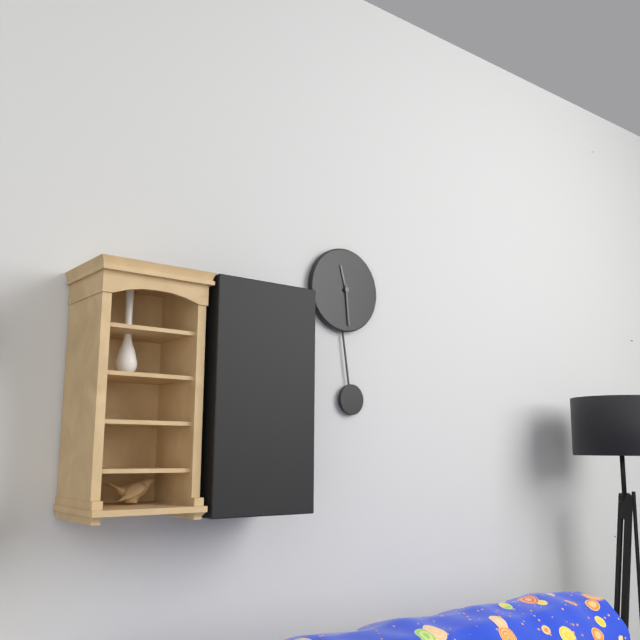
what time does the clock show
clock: 11:29
